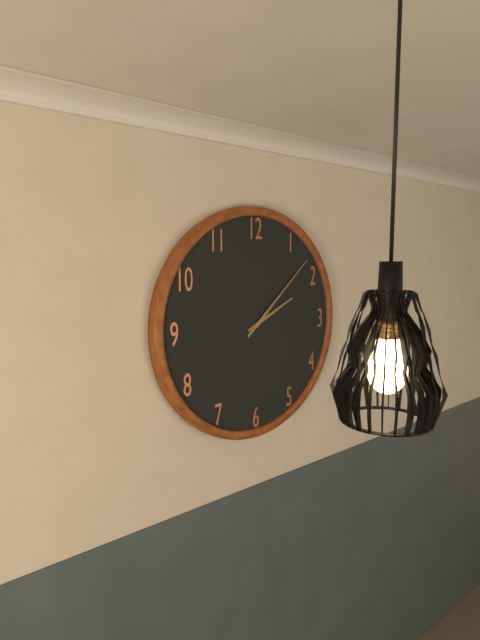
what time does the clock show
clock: 2:08
